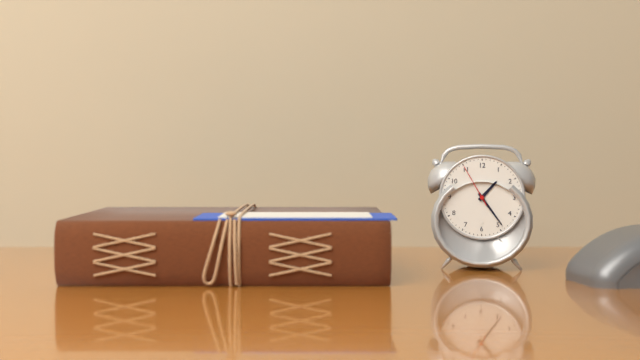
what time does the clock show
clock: 1:24
